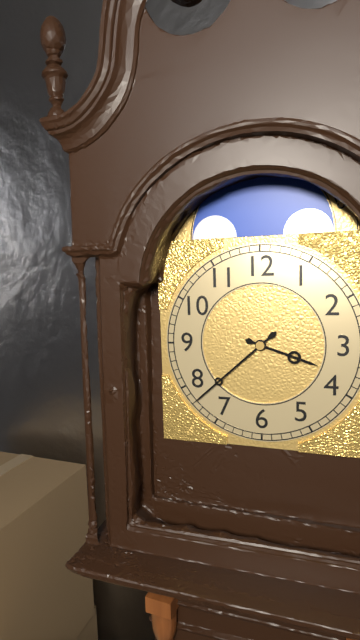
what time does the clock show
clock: 3:38
